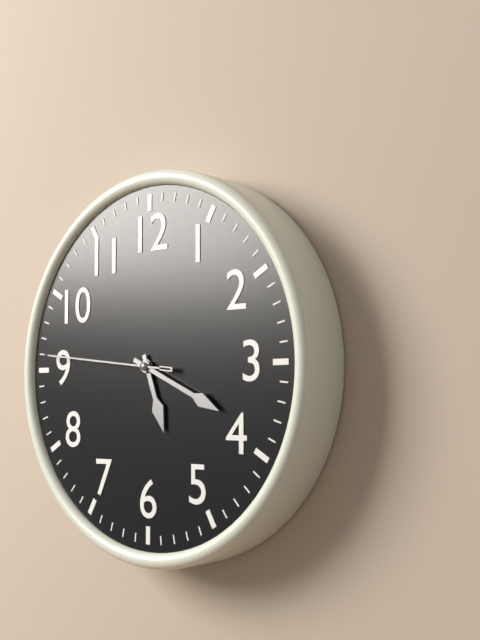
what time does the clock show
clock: 5:19:46
